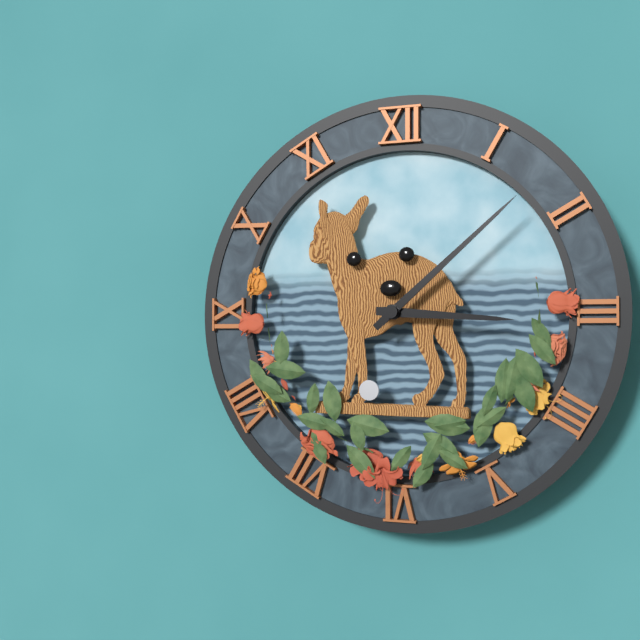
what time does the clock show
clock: 3:08
